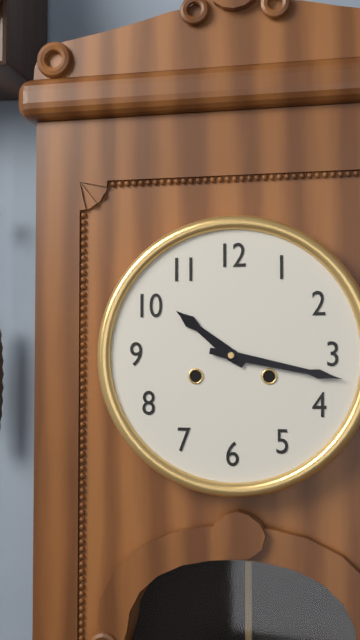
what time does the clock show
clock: 10:17
